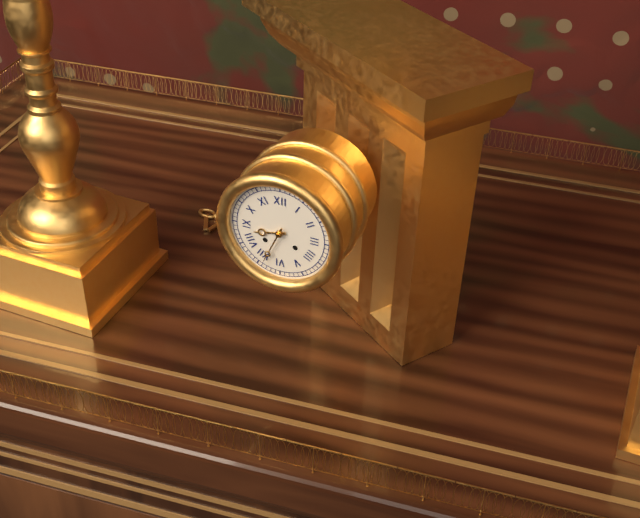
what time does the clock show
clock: 8:34
